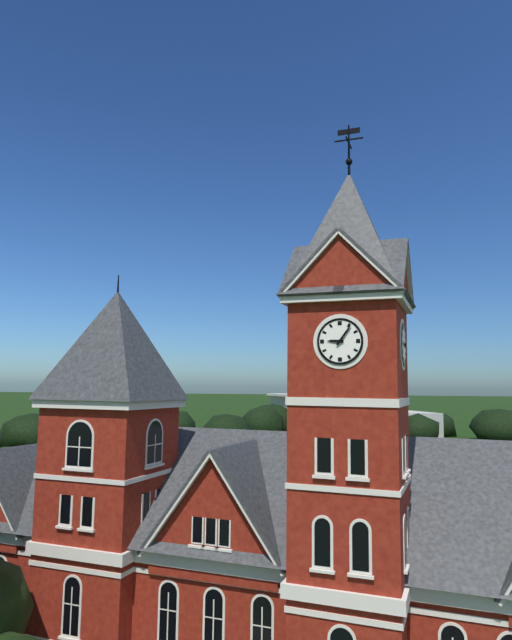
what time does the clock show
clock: 9:06
